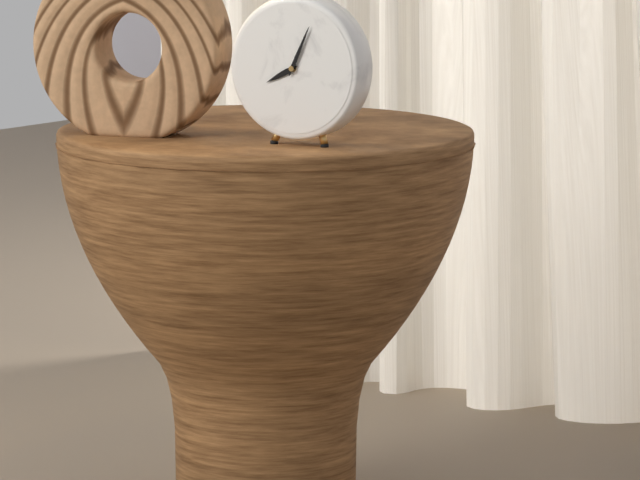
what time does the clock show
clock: 8:04
